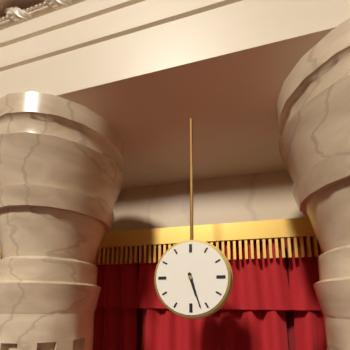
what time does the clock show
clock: 5:27
